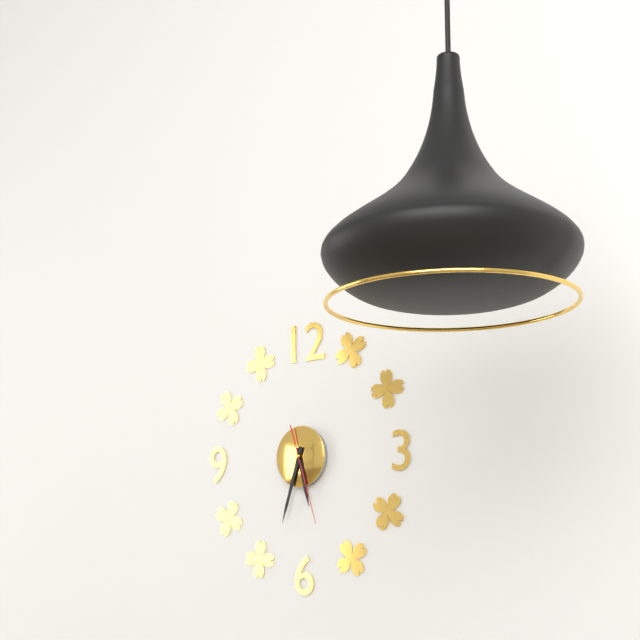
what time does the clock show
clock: 5:33:27
